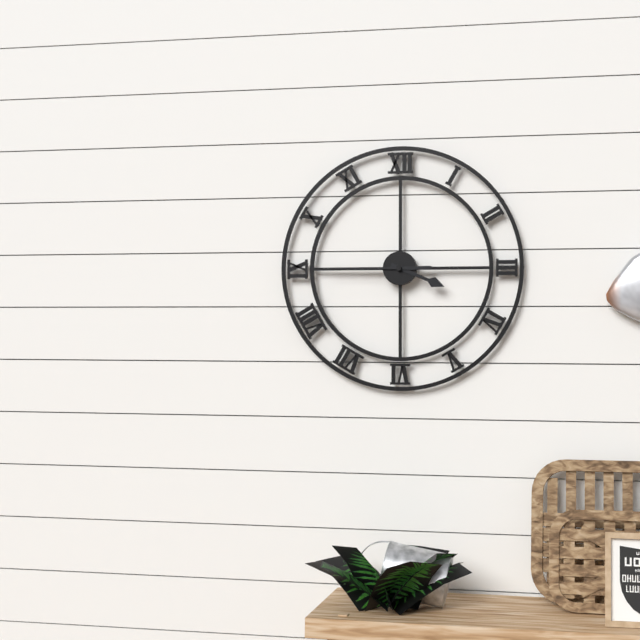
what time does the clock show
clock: 3:45
